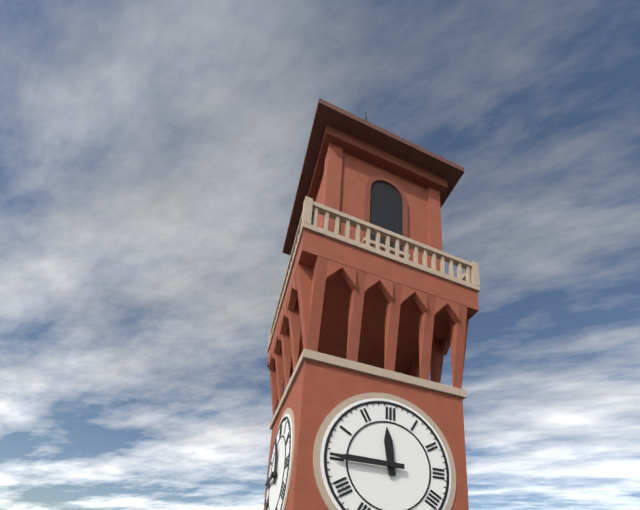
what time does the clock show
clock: 11:45
